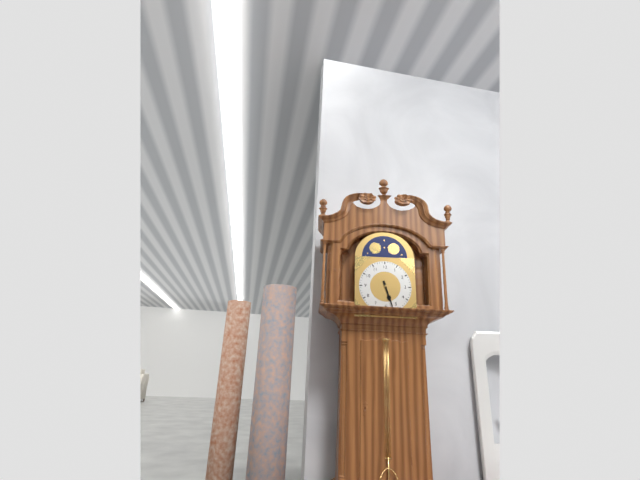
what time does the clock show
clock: 5:27
